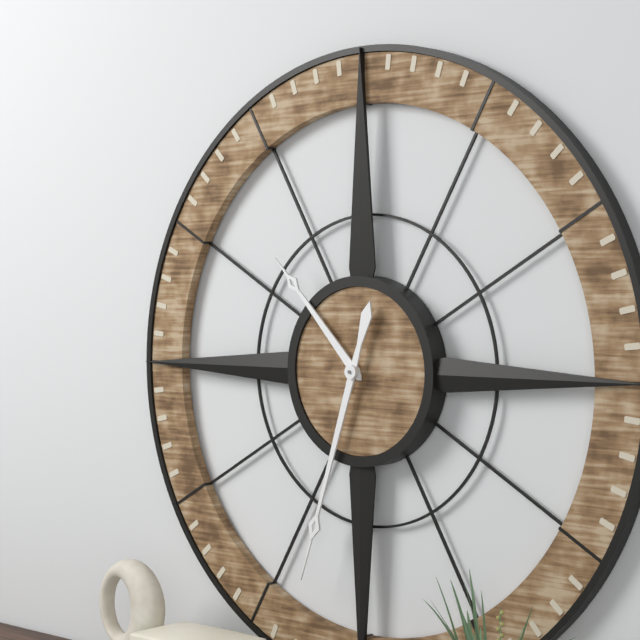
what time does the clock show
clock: 10:33
